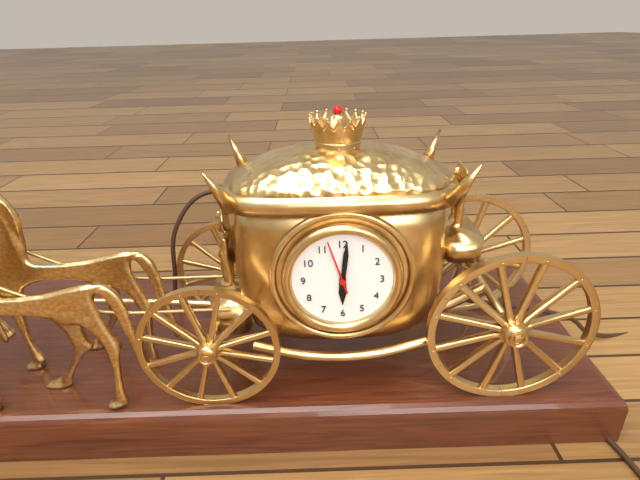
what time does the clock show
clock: 6:01:57
